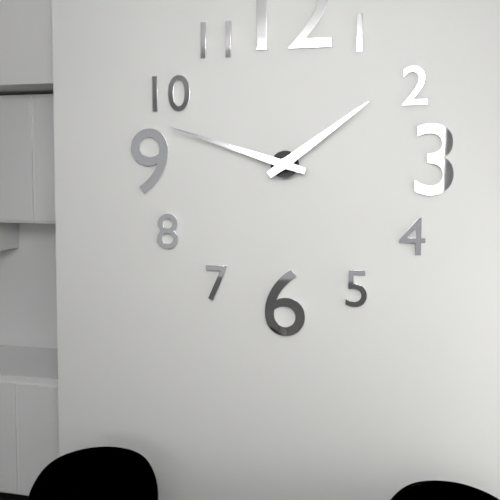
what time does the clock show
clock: 1:48
